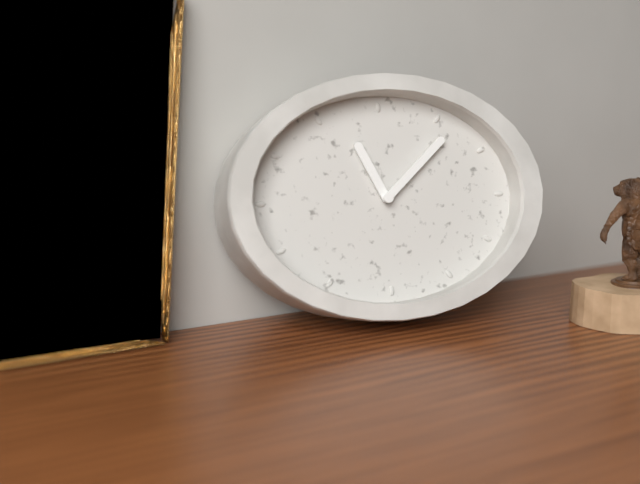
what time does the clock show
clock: 11:08
